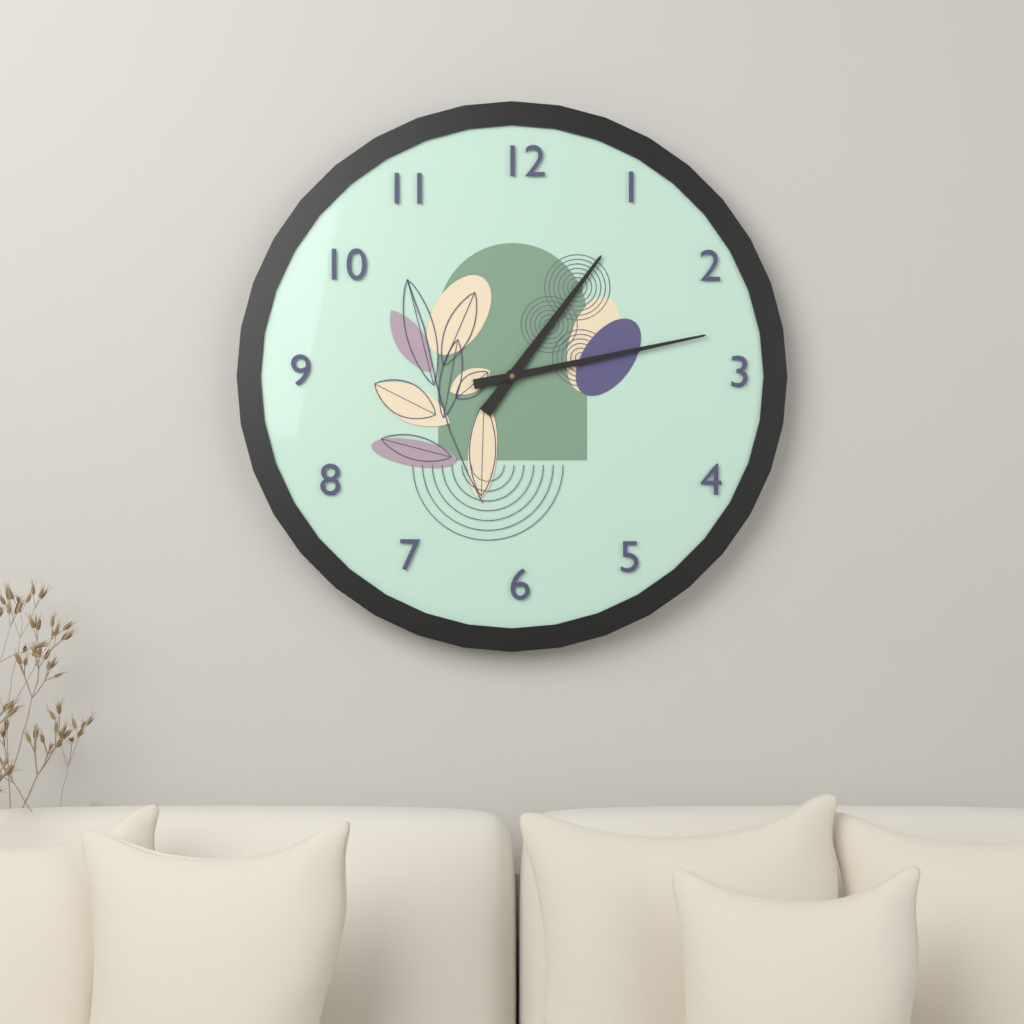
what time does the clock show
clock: 1:13
